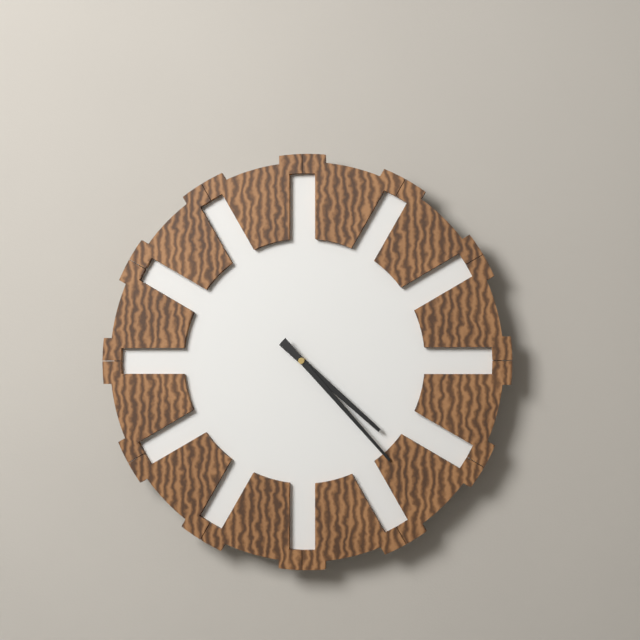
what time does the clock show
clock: 4:23
